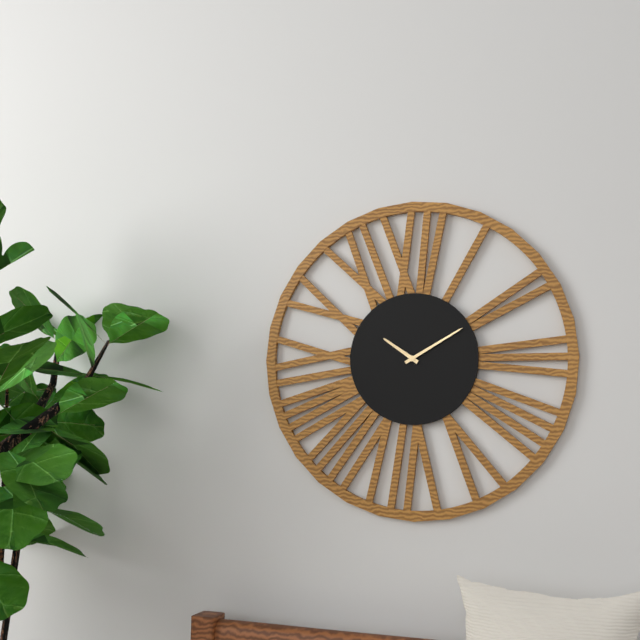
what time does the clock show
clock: 10:10
